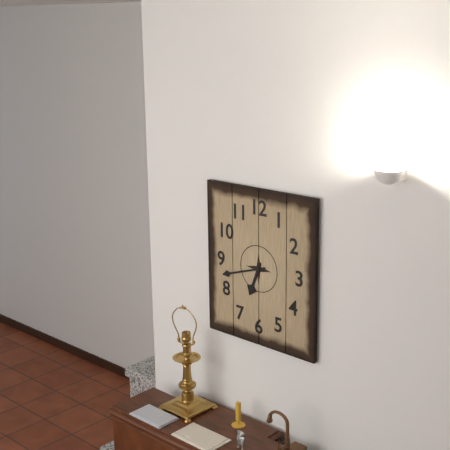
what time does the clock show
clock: 6:42
